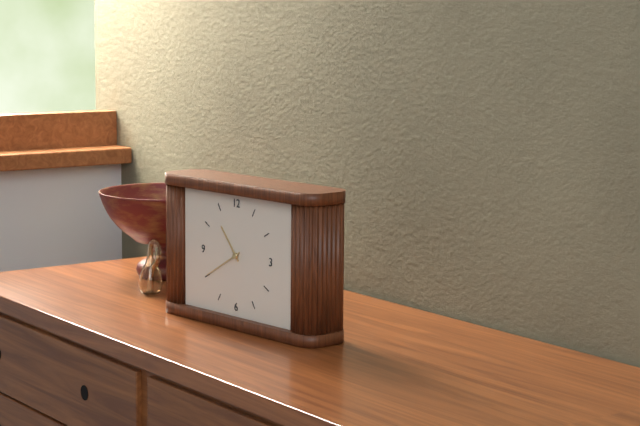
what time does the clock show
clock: 10:40
